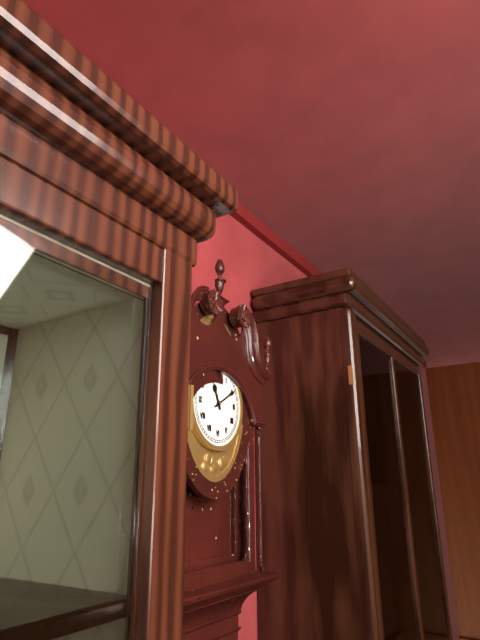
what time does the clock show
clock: 11:10
